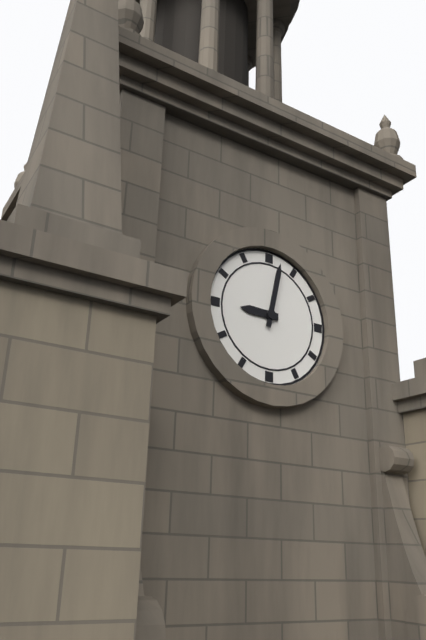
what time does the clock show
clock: 9:02
